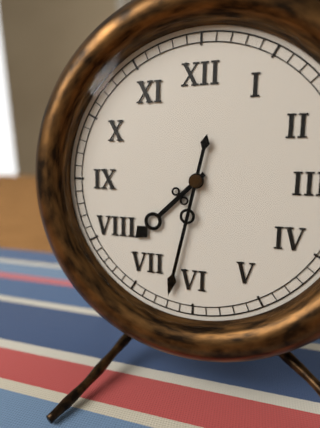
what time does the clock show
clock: 7:32
